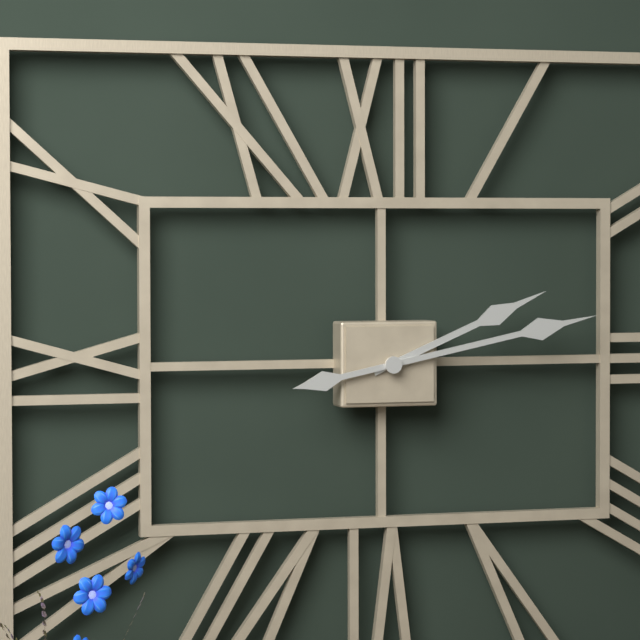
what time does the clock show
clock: 2:13
